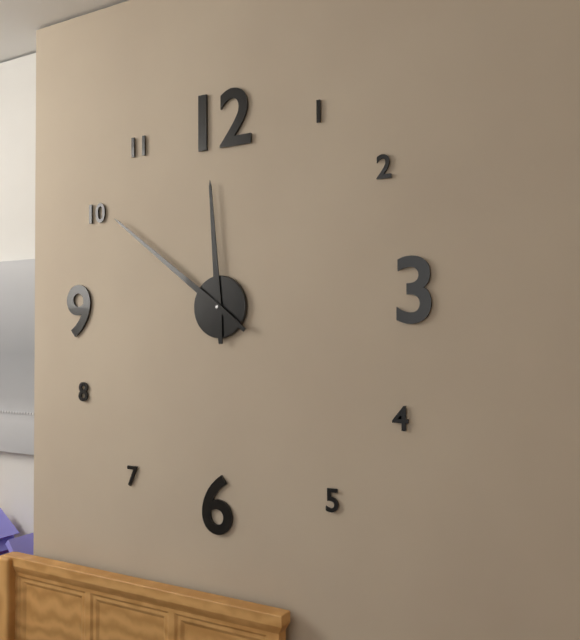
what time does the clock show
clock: 11:51
